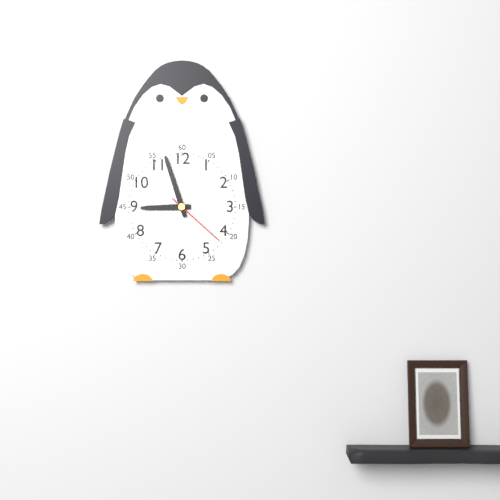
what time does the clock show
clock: 8:57:22
